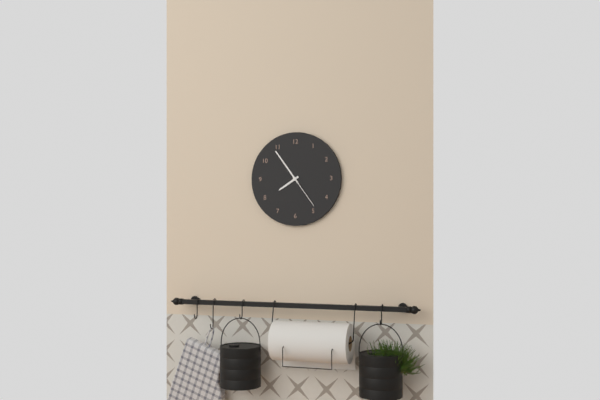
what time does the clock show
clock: 7:54
